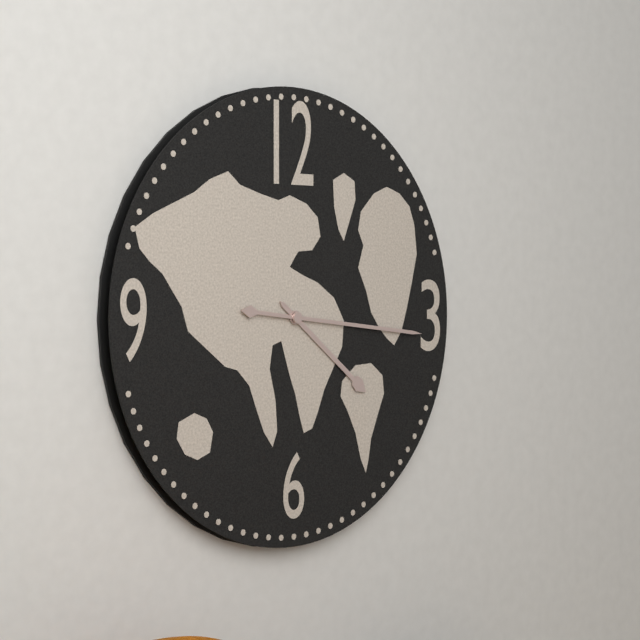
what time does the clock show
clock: 4:16
